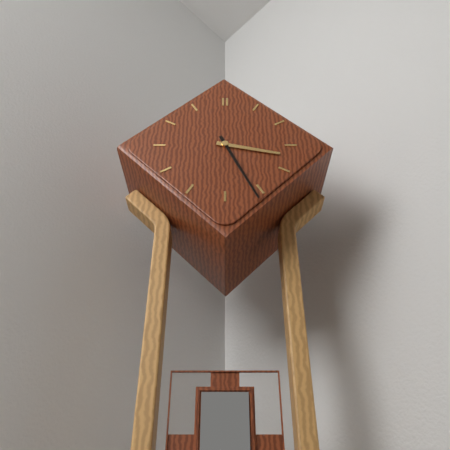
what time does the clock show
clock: 3:26
